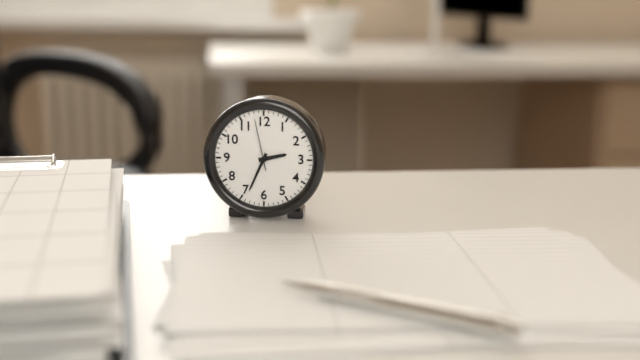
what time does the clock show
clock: 2:34
